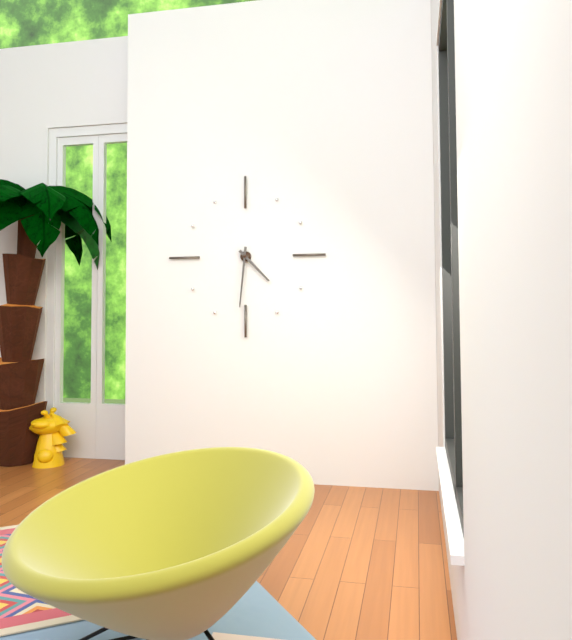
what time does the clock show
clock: 4:31
